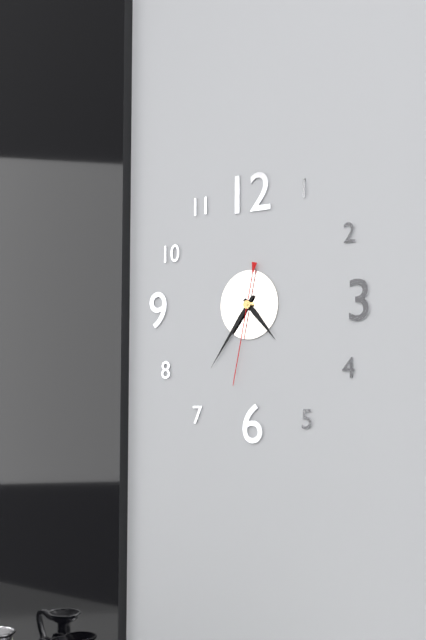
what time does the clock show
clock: 4:36:32
